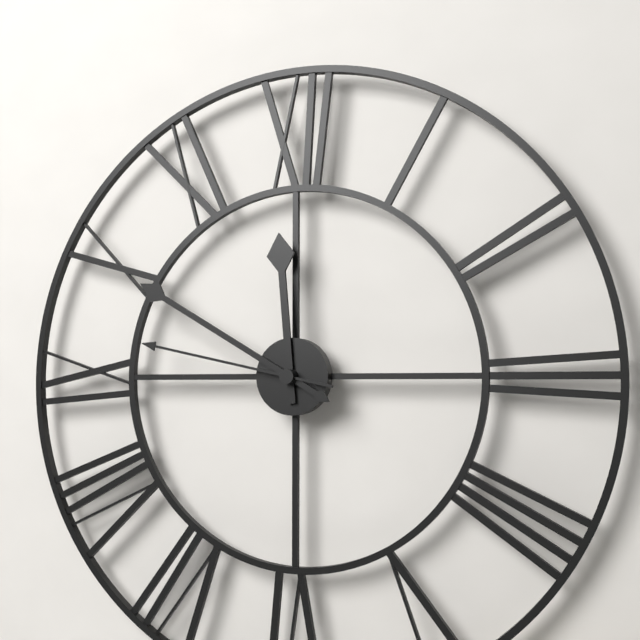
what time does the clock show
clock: 11:50:47
